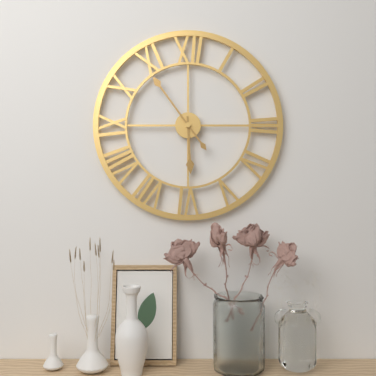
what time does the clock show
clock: 5:54
